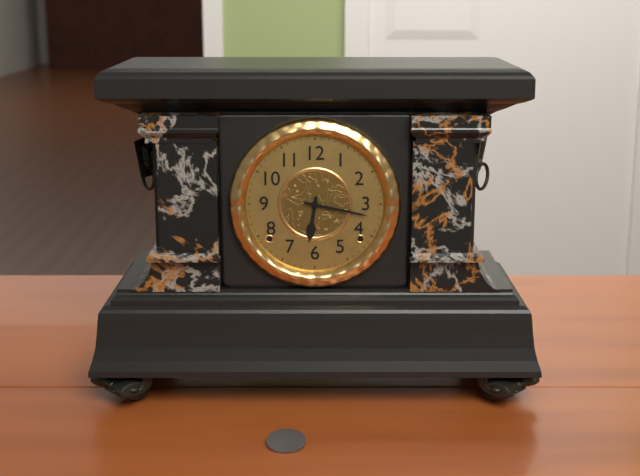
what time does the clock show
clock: 6:17
